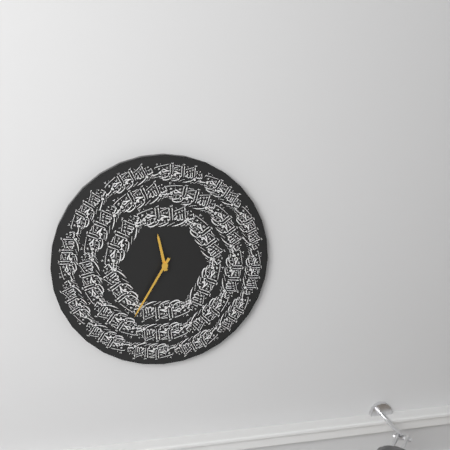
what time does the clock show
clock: 11:35
